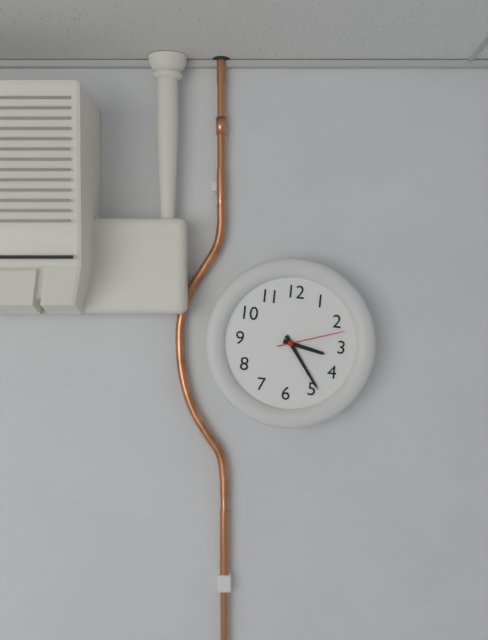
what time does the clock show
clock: 3:24:12
